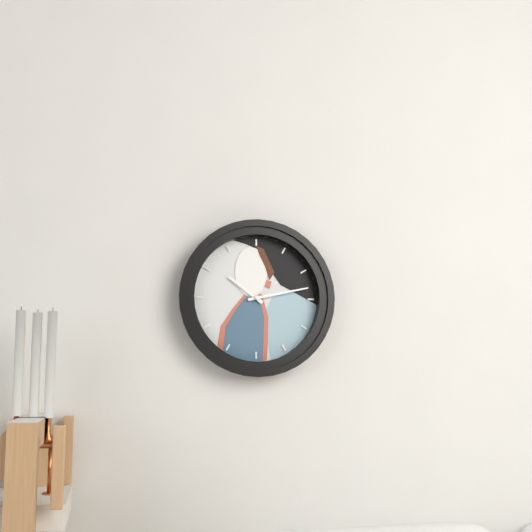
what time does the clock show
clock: 10:13
